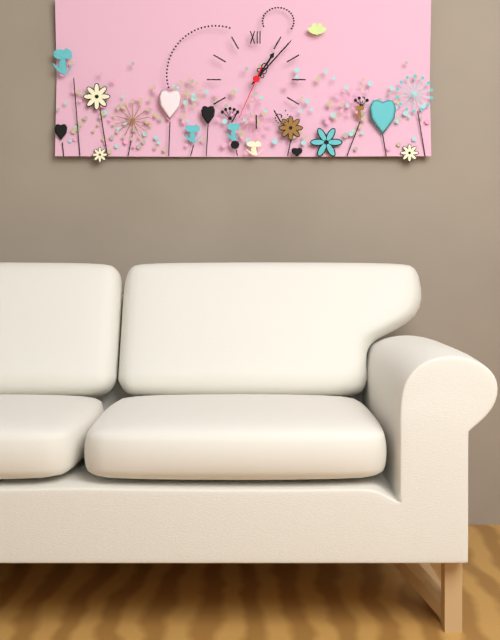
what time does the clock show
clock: 1:07:34
